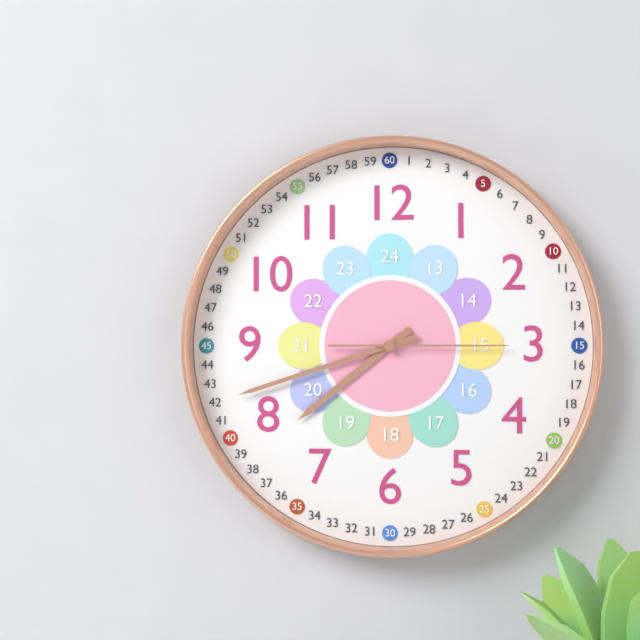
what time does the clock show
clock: 7:42:15
